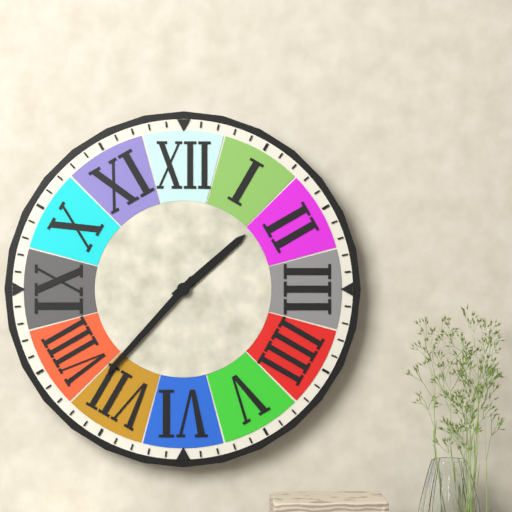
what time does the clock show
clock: 1:37
